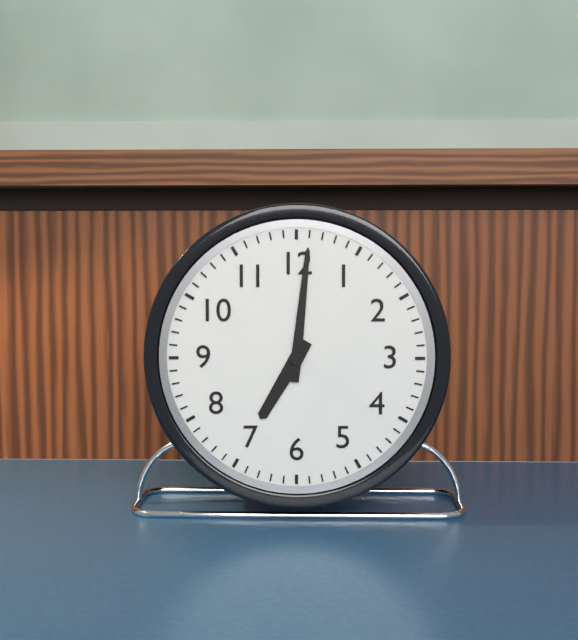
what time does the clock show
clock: 7:01
